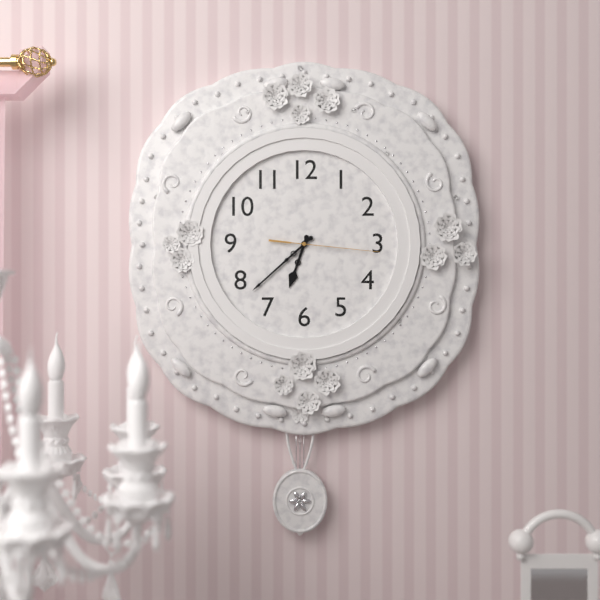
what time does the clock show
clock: 6:38:16
